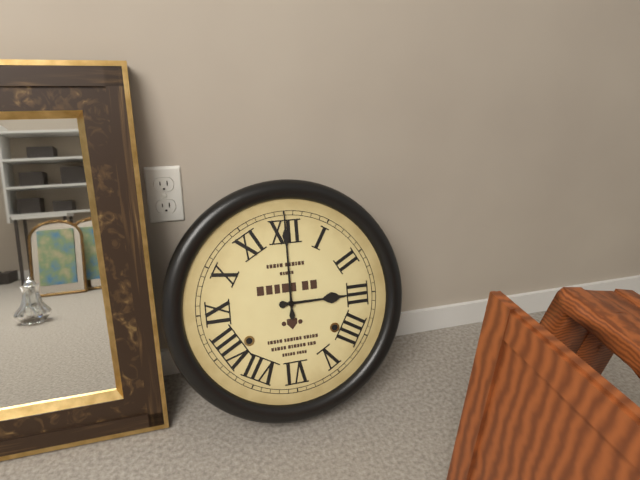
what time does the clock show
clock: 3:00
